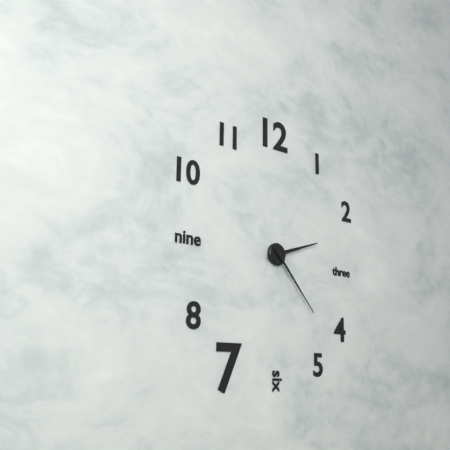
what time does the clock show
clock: 2:23
